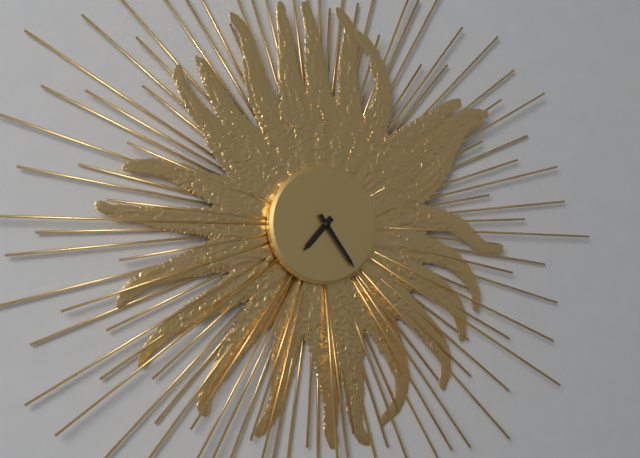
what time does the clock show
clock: 7:24
